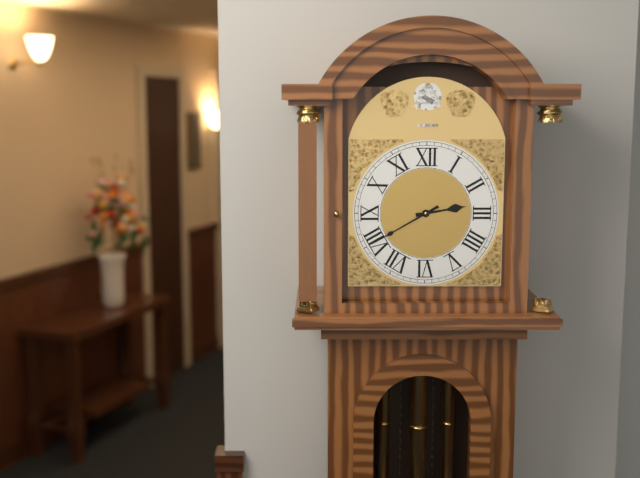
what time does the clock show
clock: 2:40
